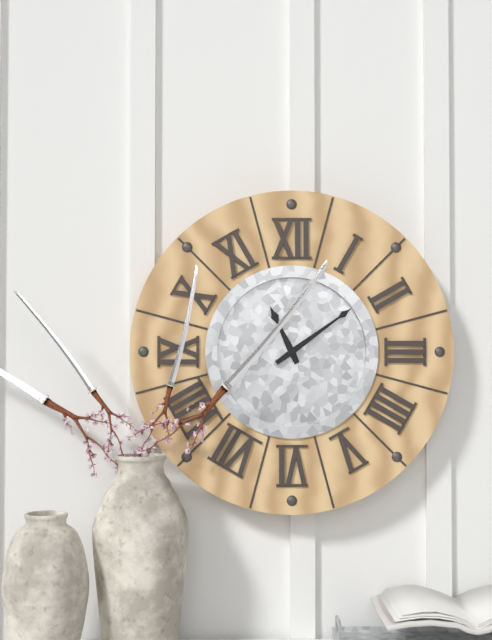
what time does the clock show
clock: 11:09
